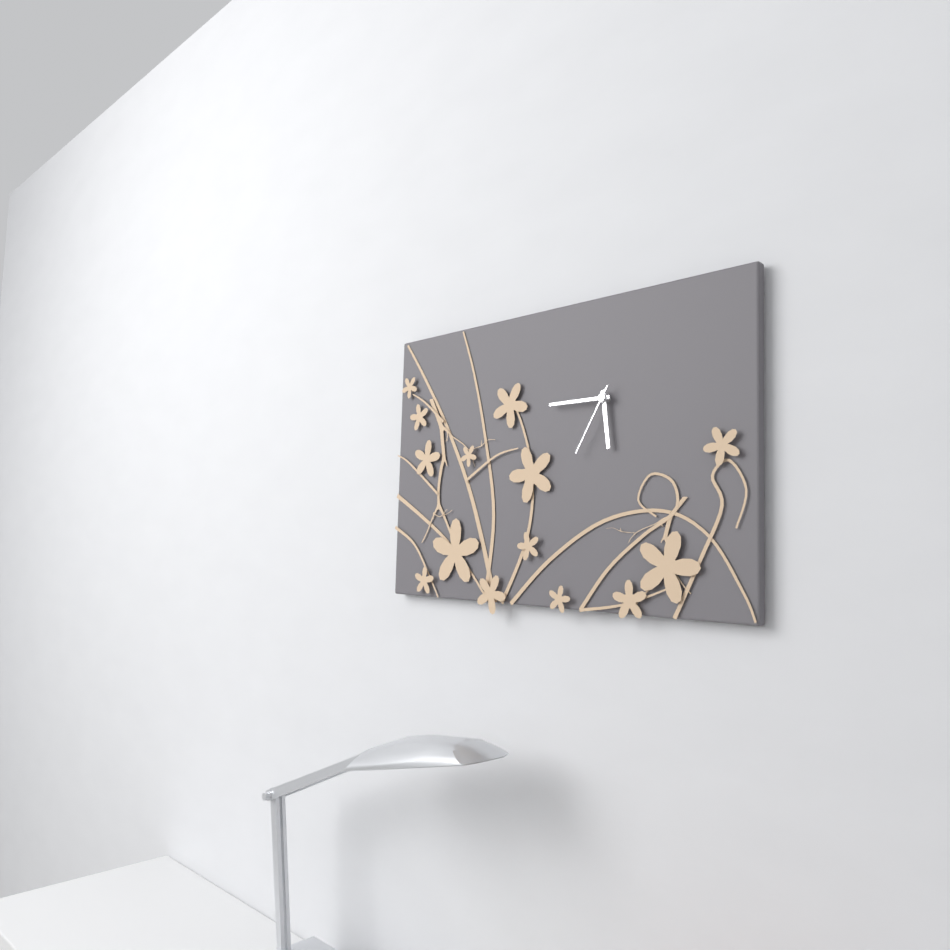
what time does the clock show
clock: 5:45:35
